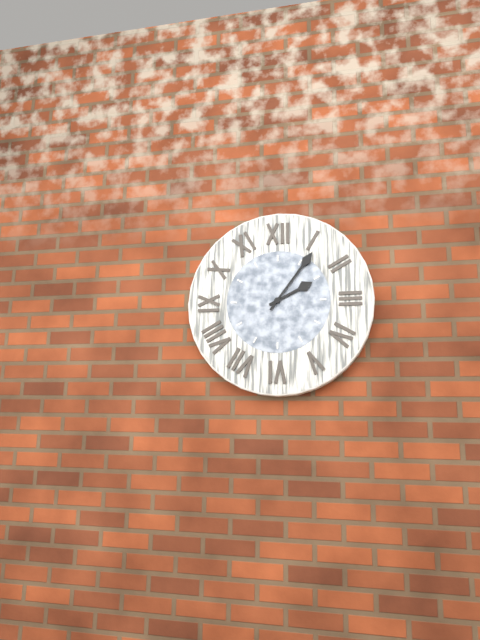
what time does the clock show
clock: 2:06
